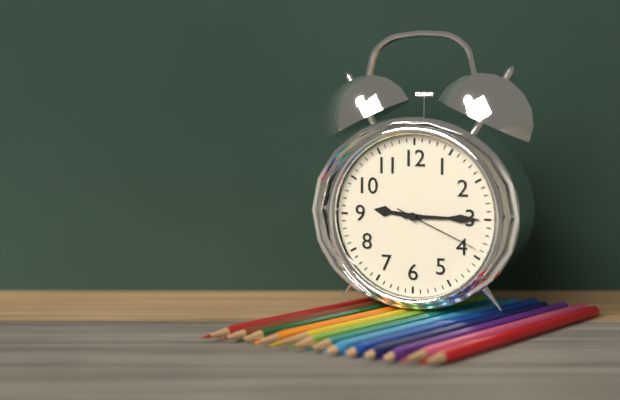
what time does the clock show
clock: 9:15:19
